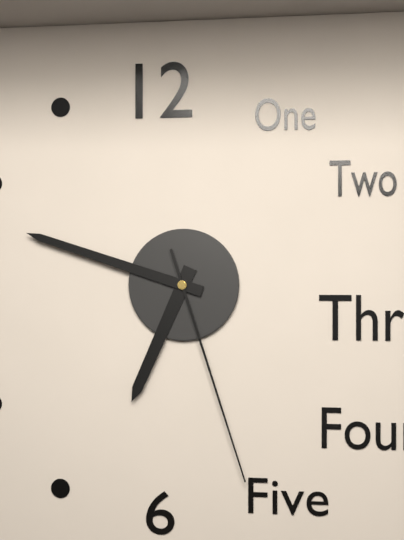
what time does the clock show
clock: 6:48:27
